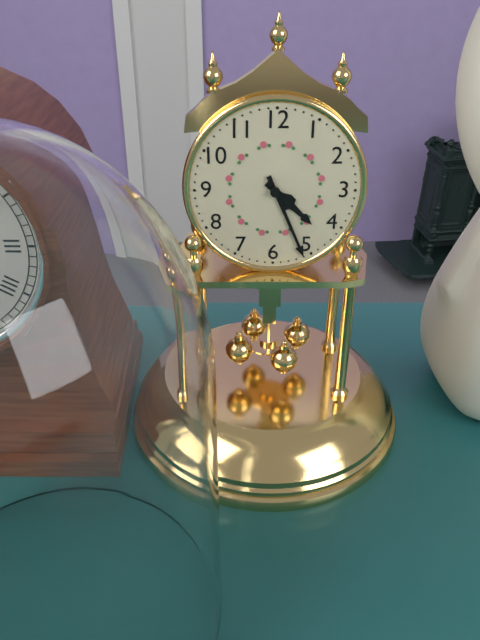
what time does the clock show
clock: 4:26
